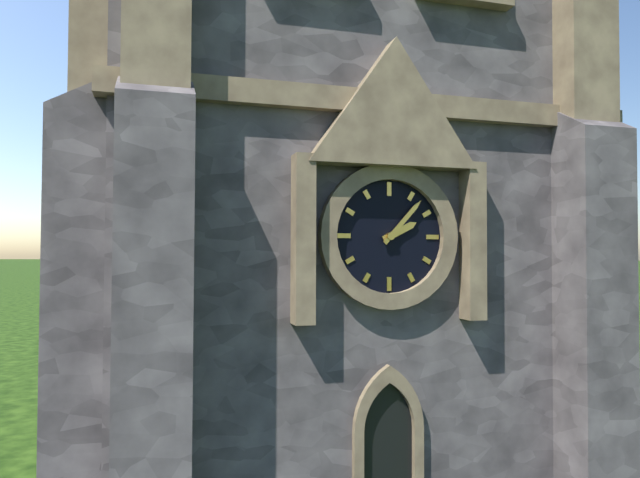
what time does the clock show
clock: 2:07
